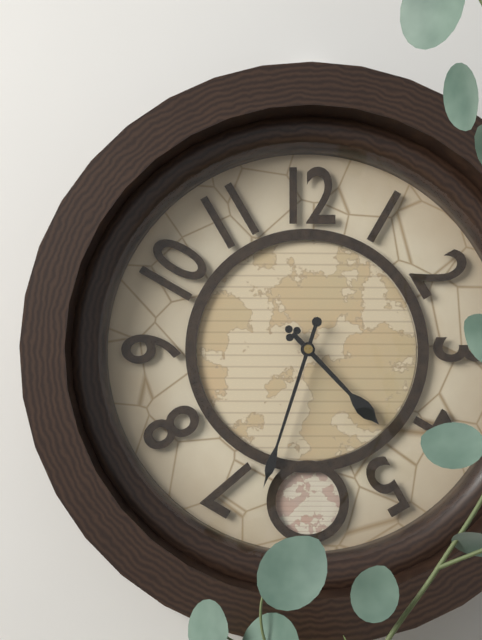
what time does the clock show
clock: 4:33
